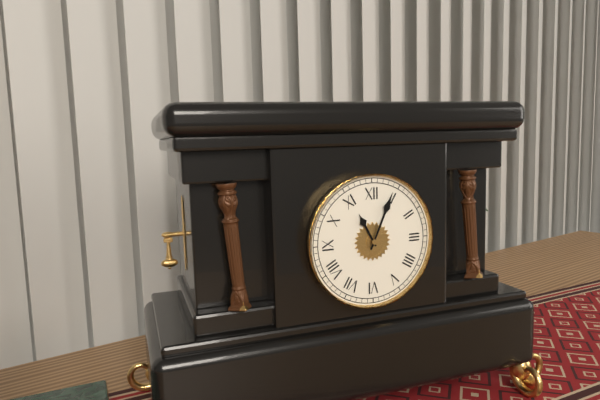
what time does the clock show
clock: 11:04
